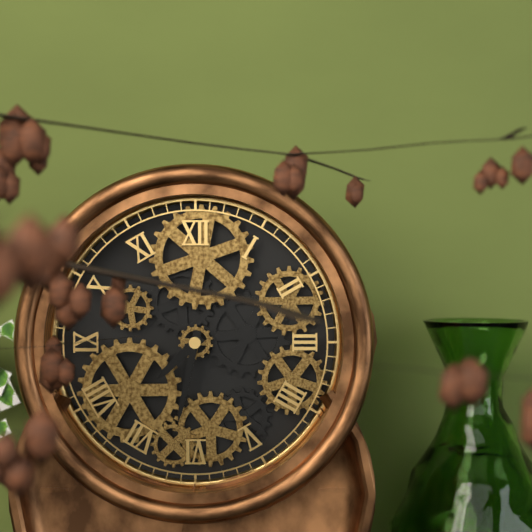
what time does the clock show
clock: 7:32
